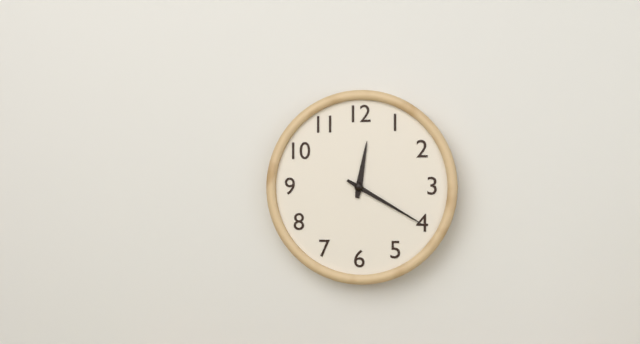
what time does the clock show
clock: 12:20
